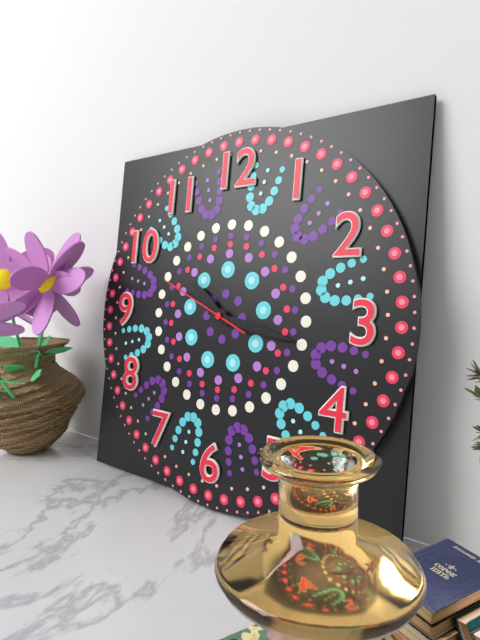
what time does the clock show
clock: 10:17:49
